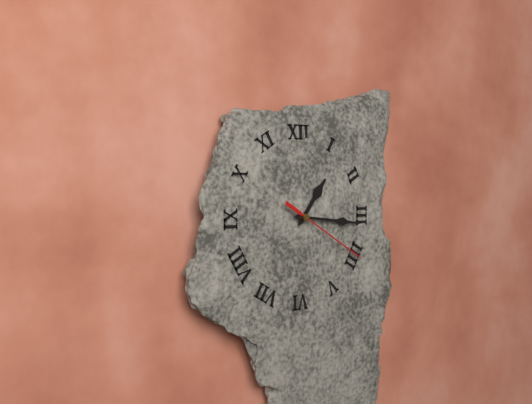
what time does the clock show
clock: 1:16:20
